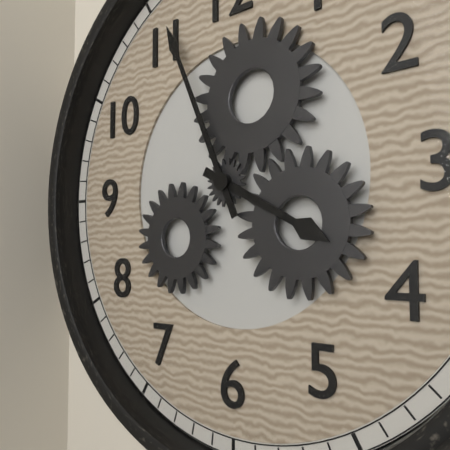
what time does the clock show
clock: 3:56
